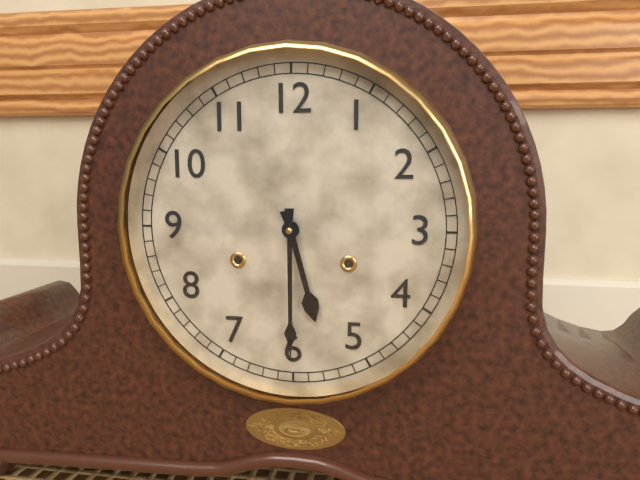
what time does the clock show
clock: 5:30
